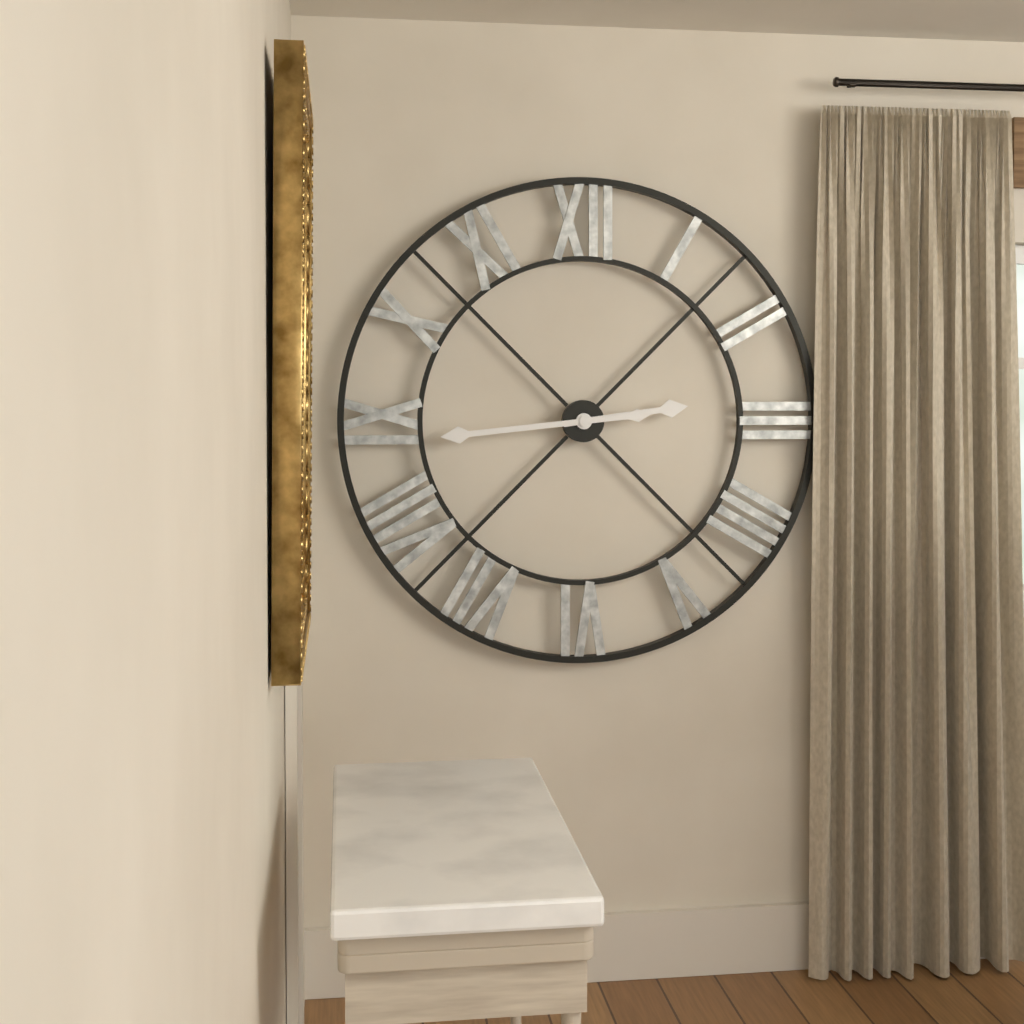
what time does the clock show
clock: 2:44
